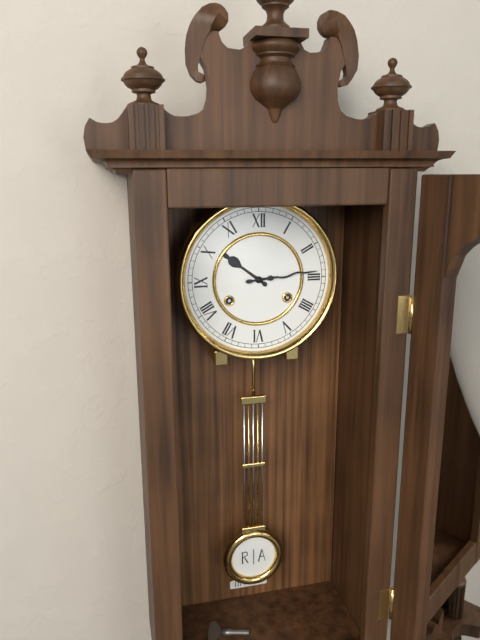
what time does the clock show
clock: 10:14
